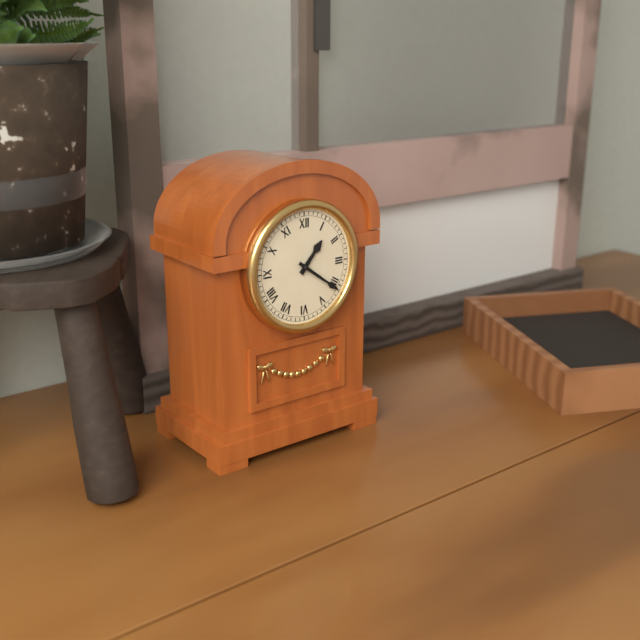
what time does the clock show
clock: 1:21
